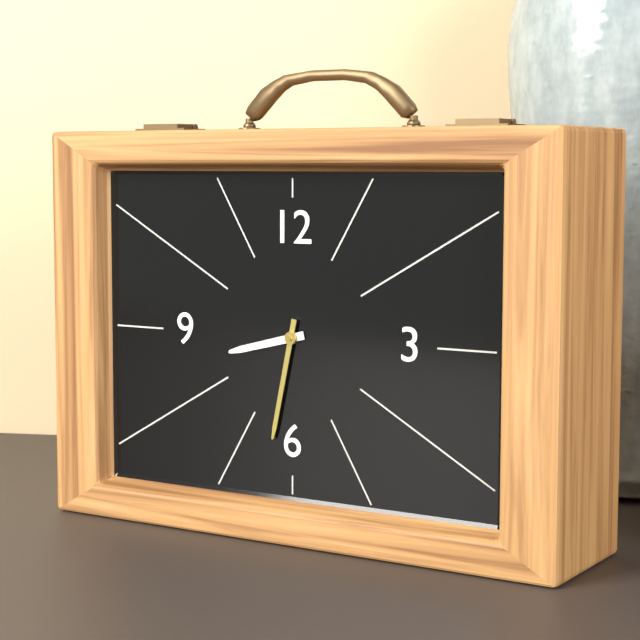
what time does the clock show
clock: 8:32
